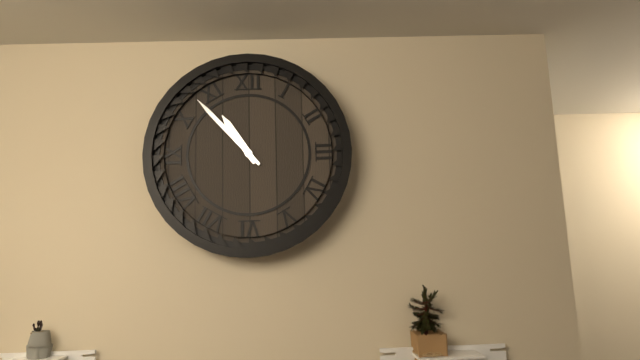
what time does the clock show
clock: 10:53
